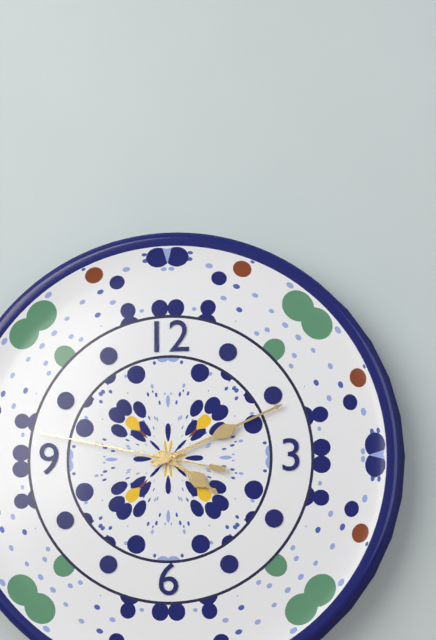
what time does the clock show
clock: 4:11:47
